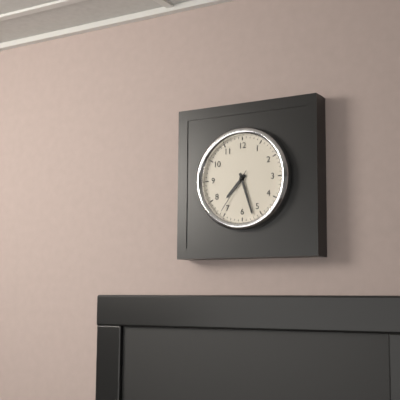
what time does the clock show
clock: 7:27
